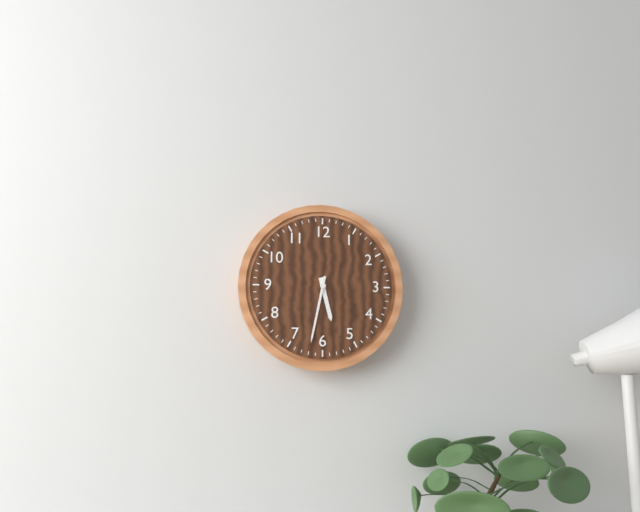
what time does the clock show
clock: 5:32
